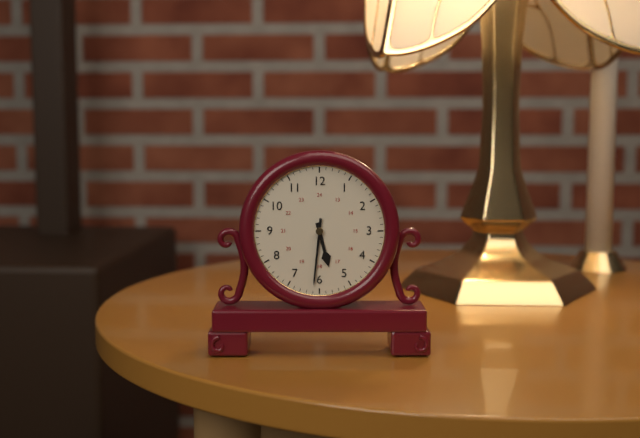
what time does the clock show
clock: 5:31
